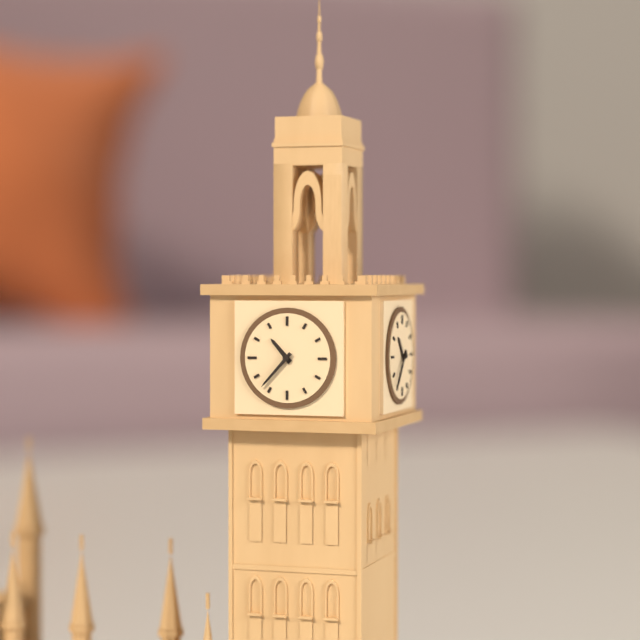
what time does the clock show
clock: 10:37
